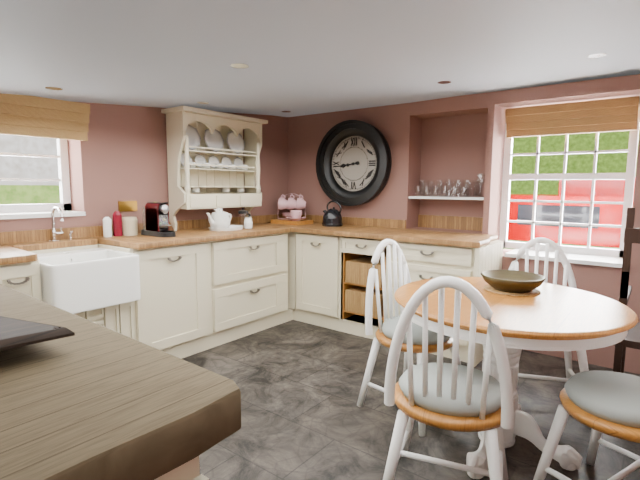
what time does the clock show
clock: 8:44
